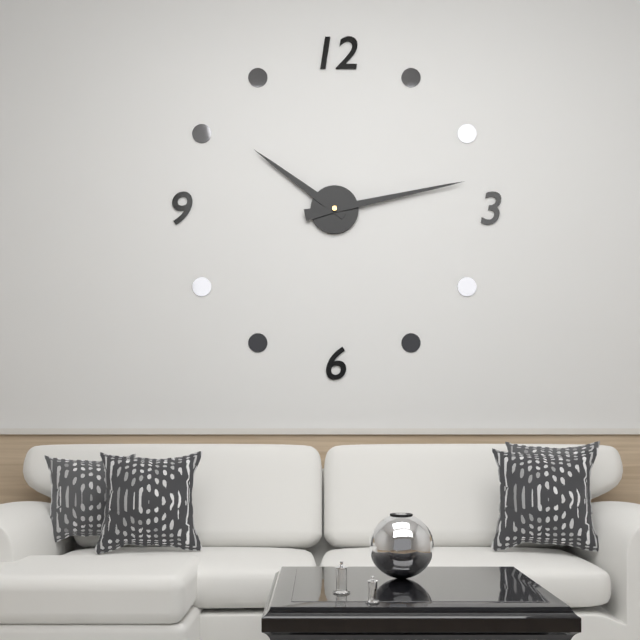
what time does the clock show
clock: 10:13
